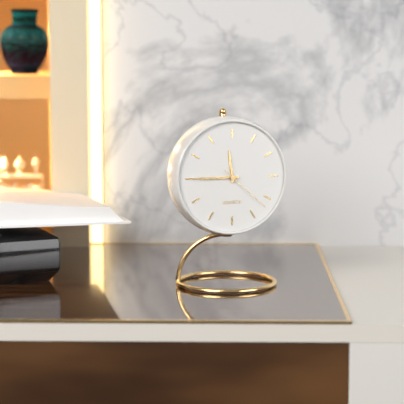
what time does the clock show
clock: 11:45:22
